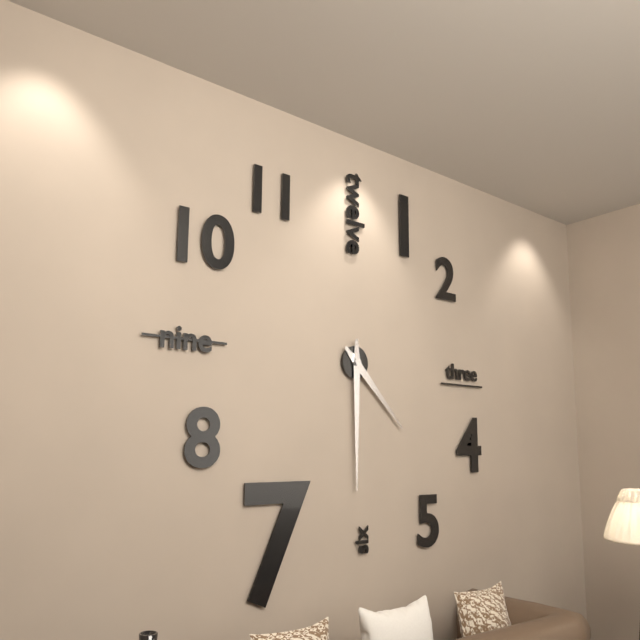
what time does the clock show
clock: 4:30
